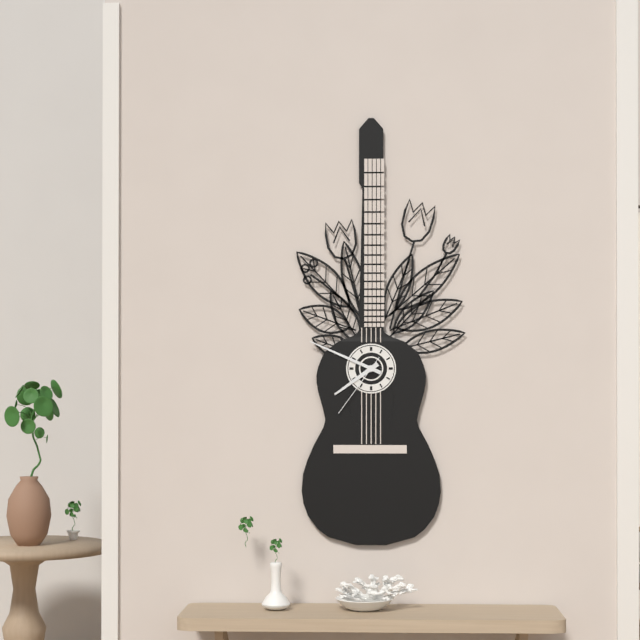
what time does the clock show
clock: 7:49:36
